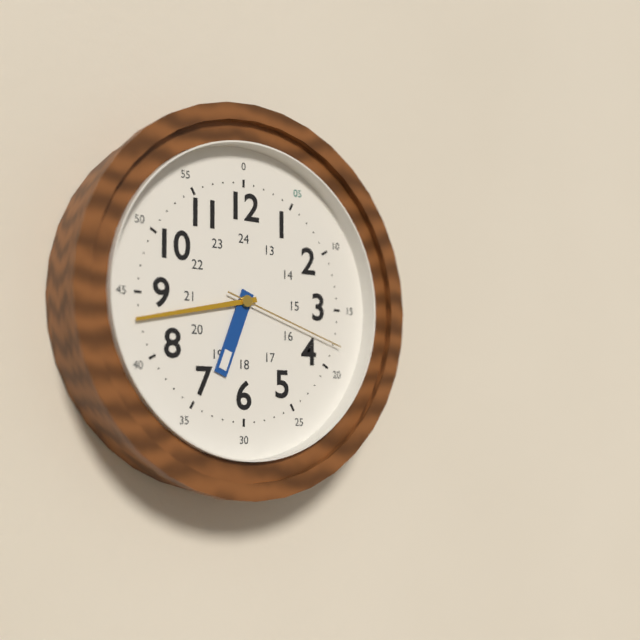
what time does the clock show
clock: 6:43:18
